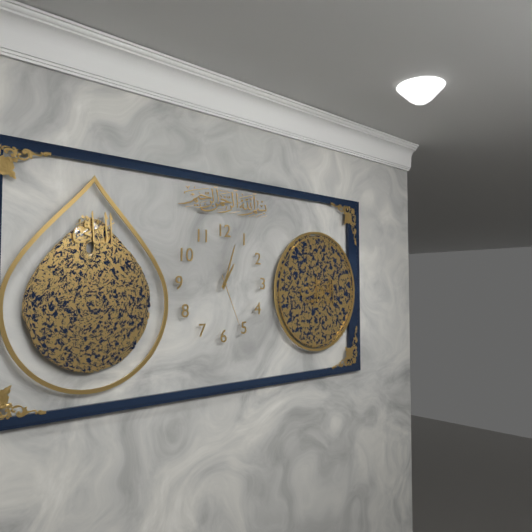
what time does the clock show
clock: 1:03:26
